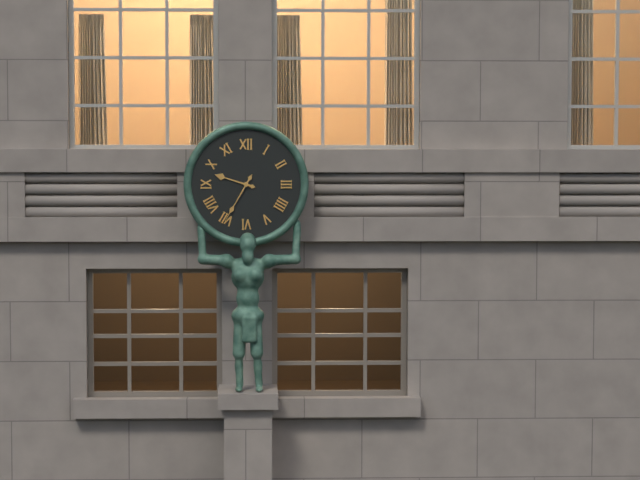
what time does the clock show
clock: 9:35
